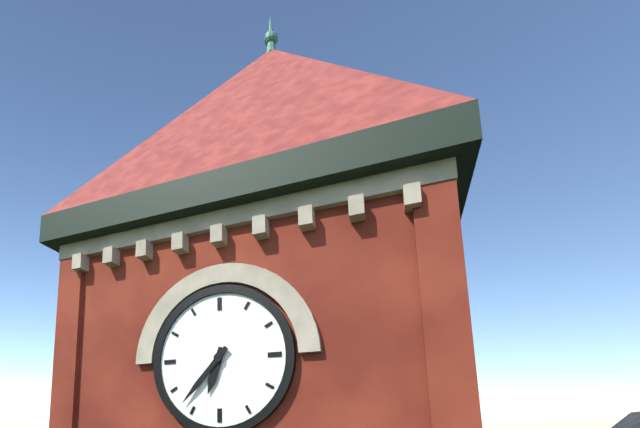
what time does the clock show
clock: 6:37
